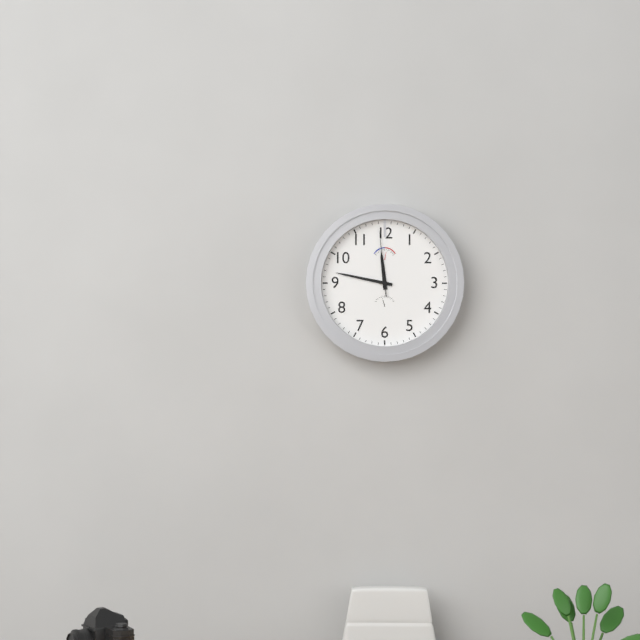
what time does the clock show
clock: 11:47:59
